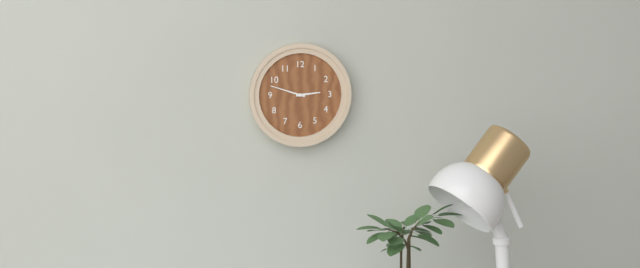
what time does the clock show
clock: 2:48
